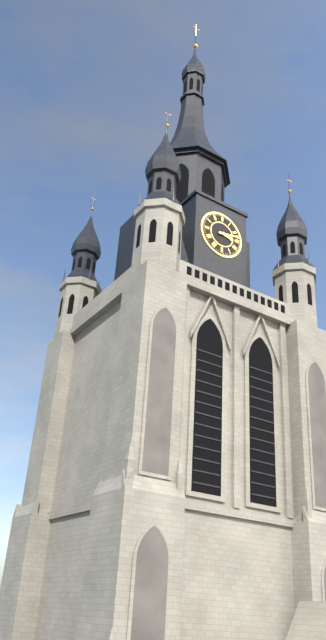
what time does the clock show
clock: 3:13
